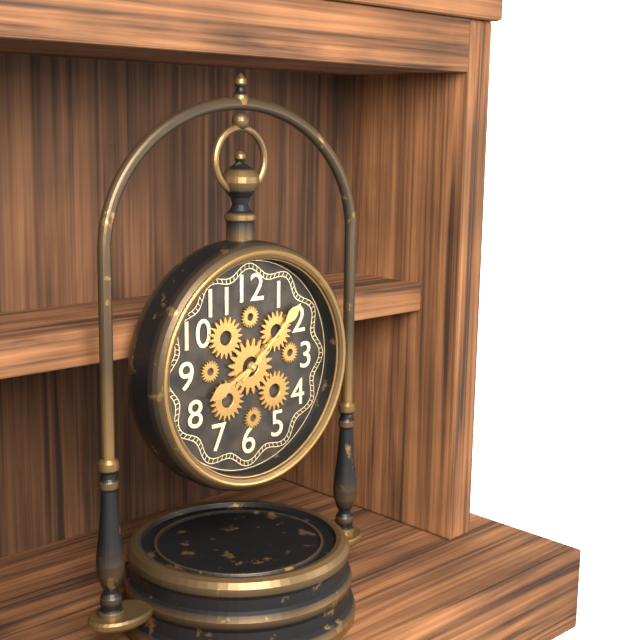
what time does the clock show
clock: 8:08
